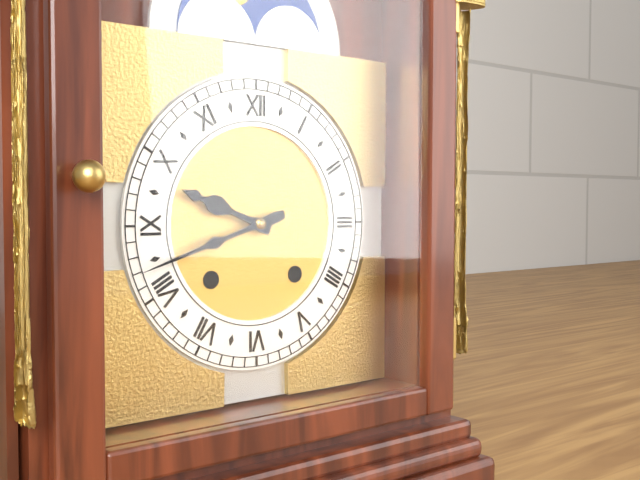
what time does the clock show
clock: 9:42
